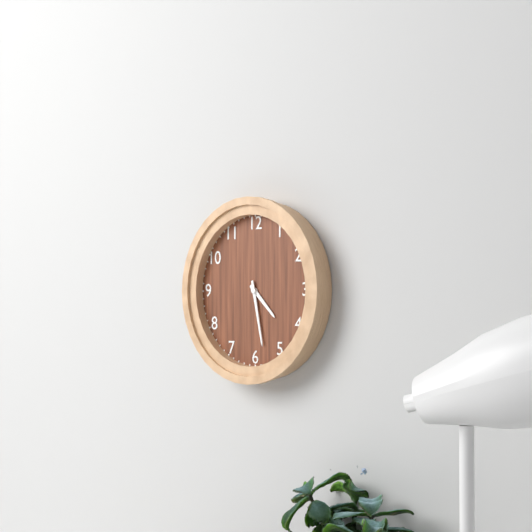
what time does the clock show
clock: 4:28
